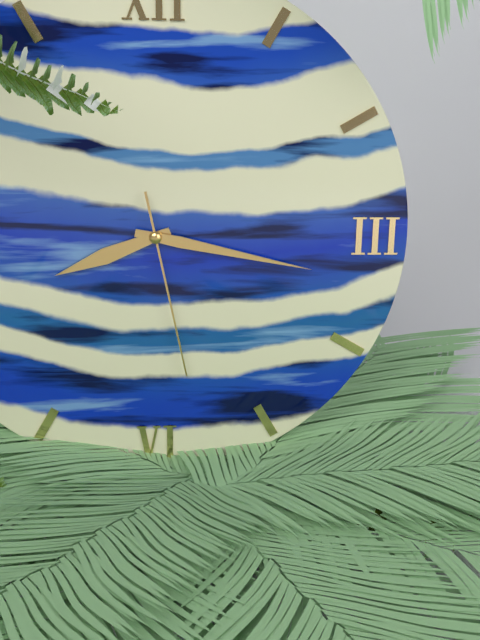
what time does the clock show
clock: 8:17:28
